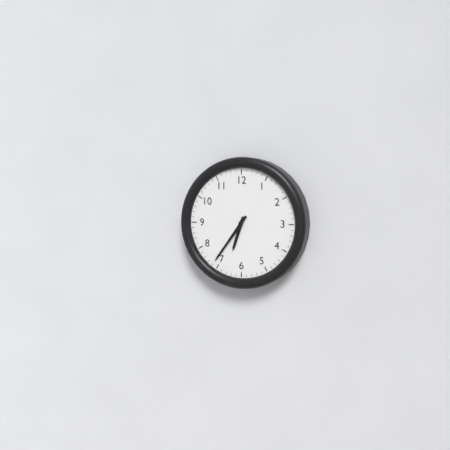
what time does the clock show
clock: 6:36
